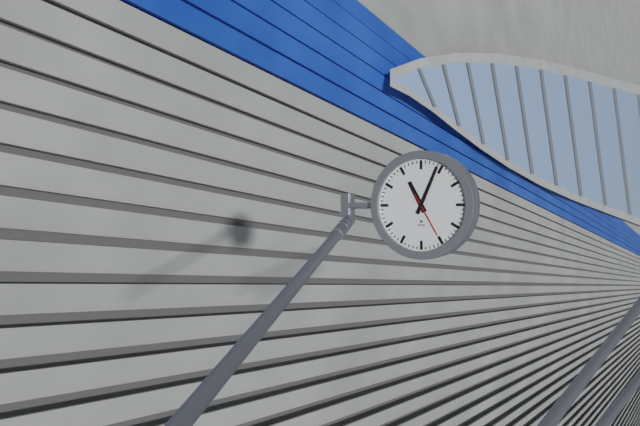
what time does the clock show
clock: 11:04
